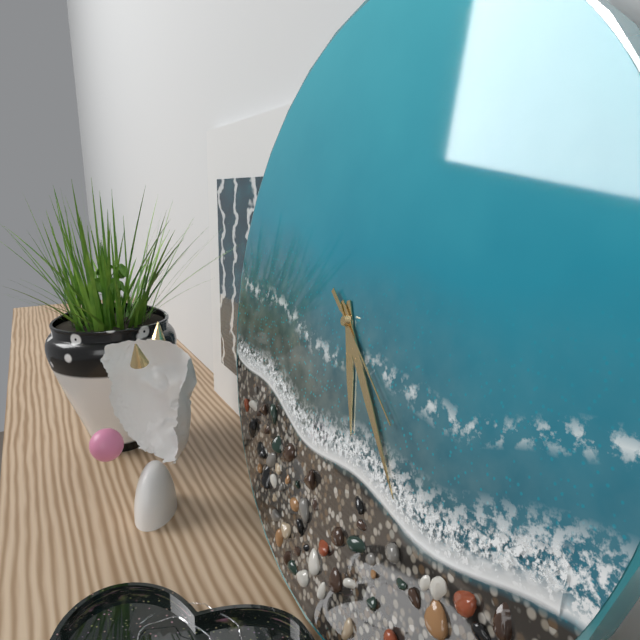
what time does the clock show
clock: 5:23:21
